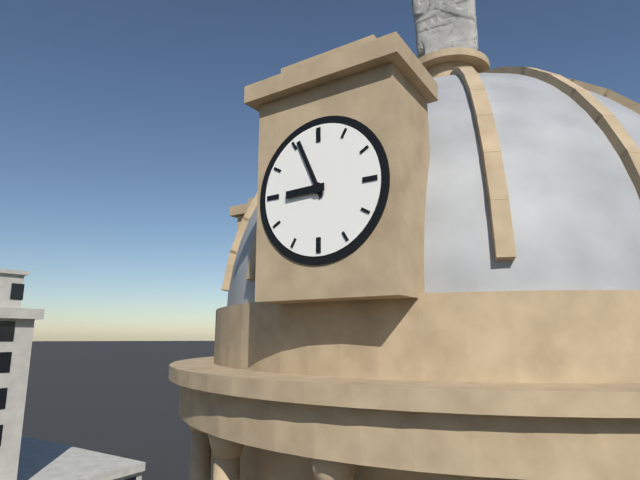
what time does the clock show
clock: 8:56
